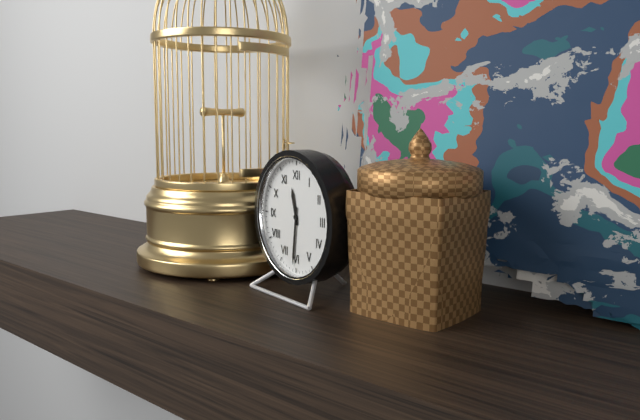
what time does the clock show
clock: 11:31
